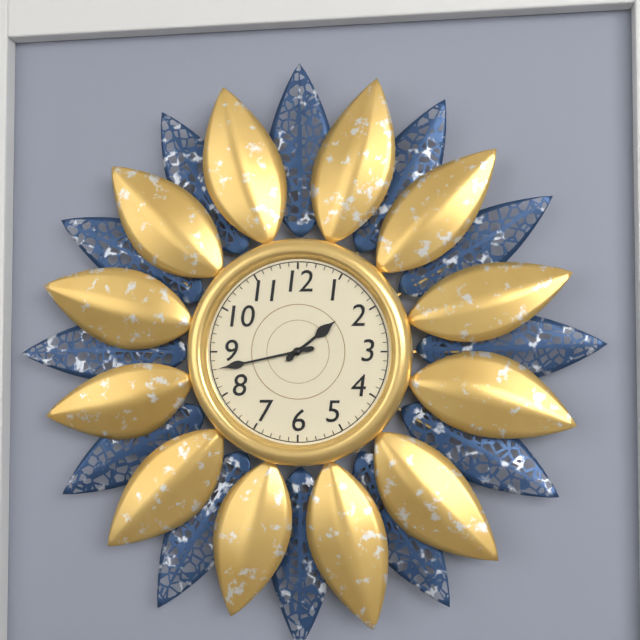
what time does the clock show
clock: 1:43
